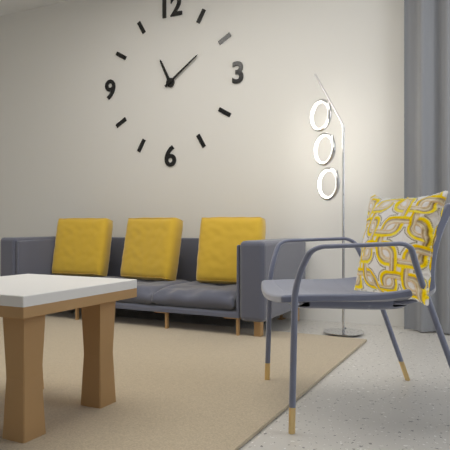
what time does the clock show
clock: 11:09
